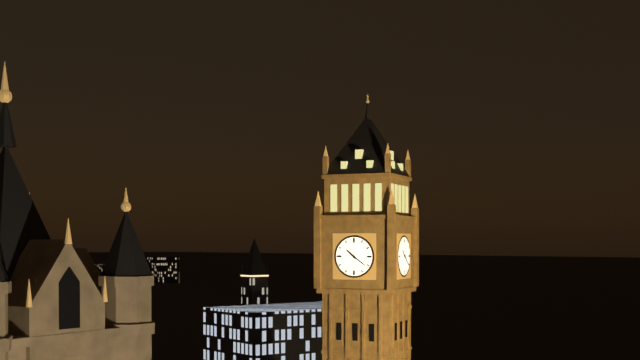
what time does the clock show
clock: 10:21
